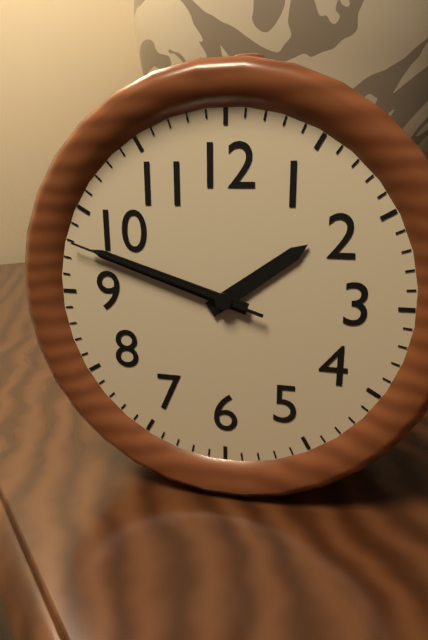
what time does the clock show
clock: 1:48:48
